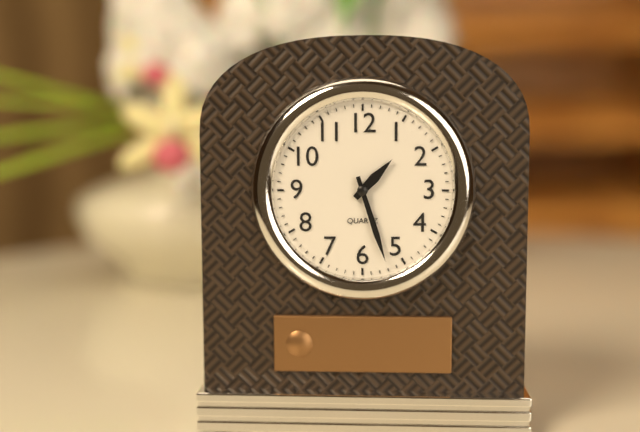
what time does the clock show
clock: 1:27
